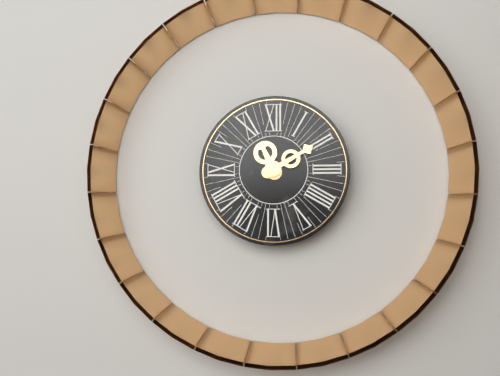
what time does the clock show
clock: 11:10
